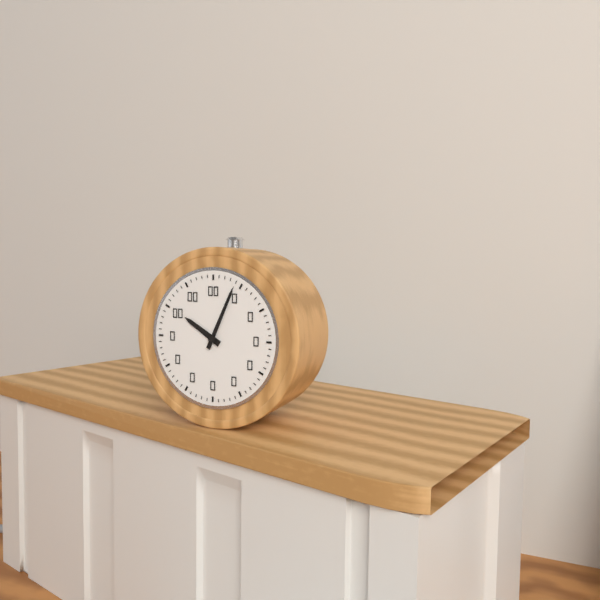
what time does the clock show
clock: 10:04
